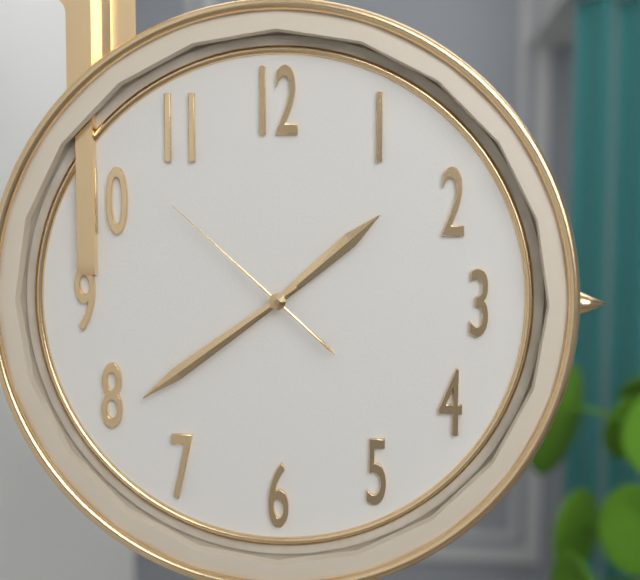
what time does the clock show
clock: 1:39:52
